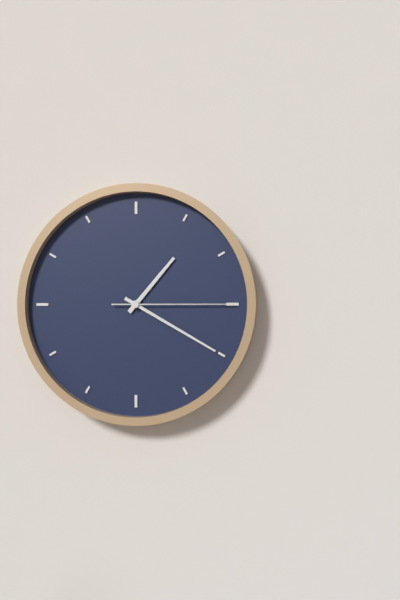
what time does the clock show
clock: 1:20:15
